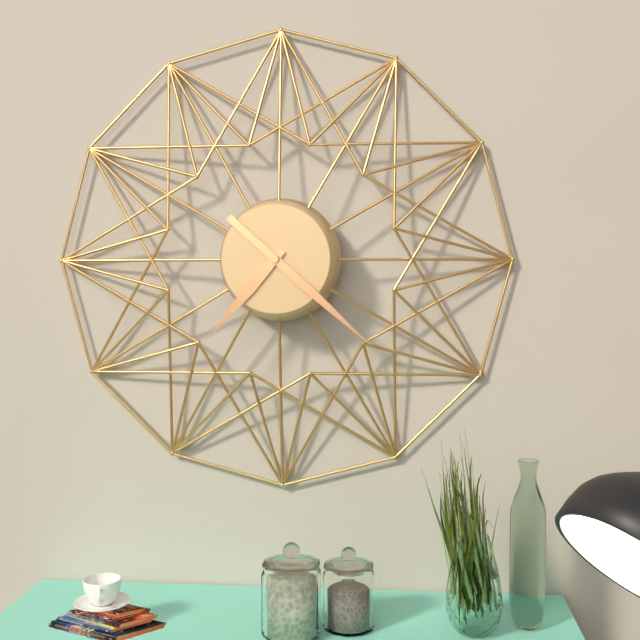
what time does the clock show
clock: 7:22
